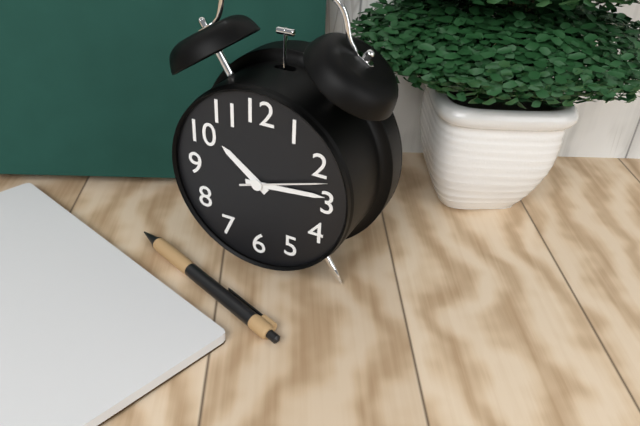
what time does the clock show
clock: 10:14:12
